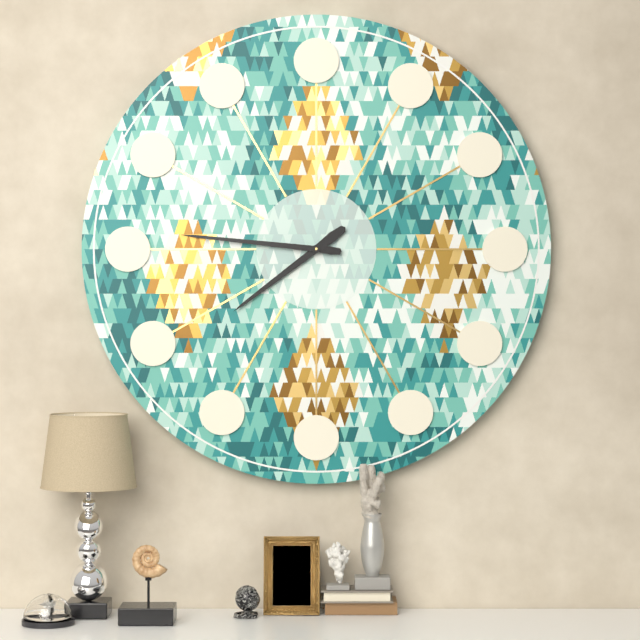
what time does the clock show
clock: 7:46
